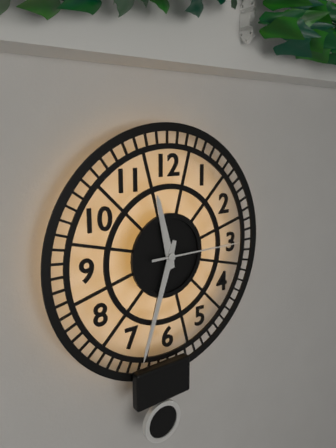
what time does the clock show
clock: 11:33:15
